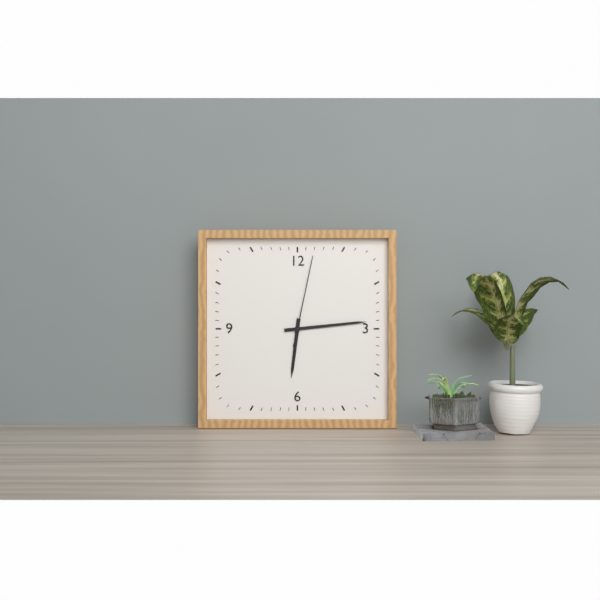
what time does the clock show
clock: 6:14:02
